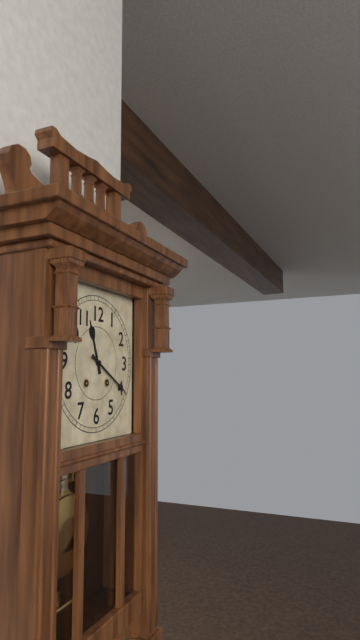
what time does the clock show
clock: 11:20
